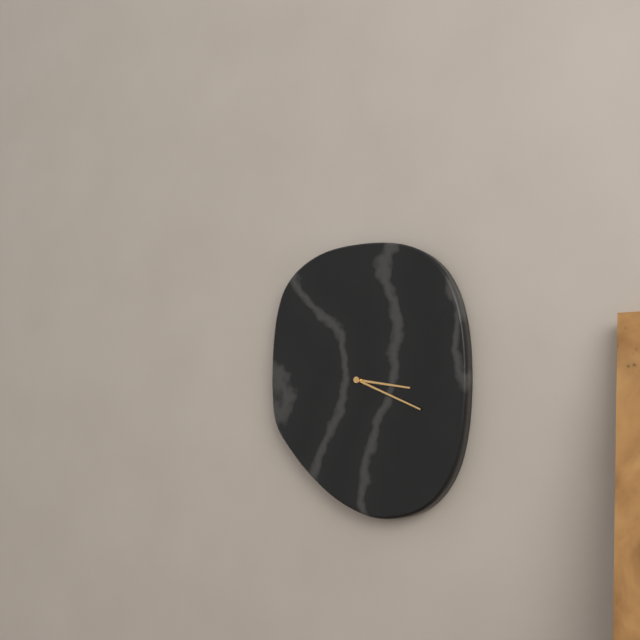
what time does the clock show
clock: 3:19
